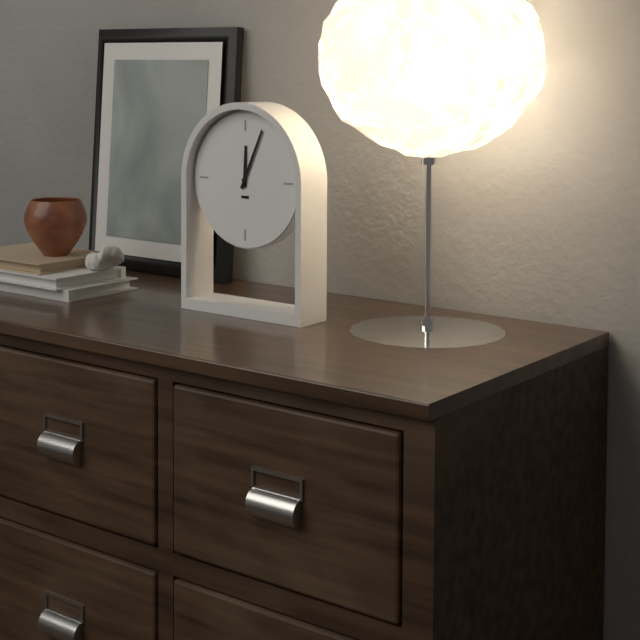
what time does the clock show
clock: 12:04
